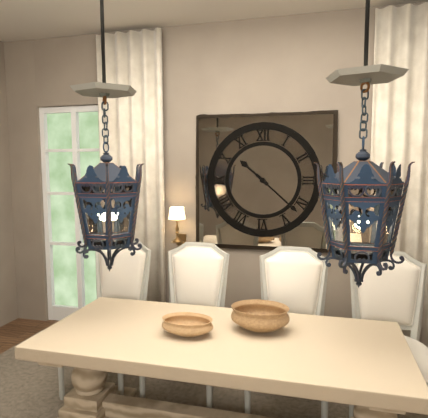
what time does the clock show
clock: 10:22
